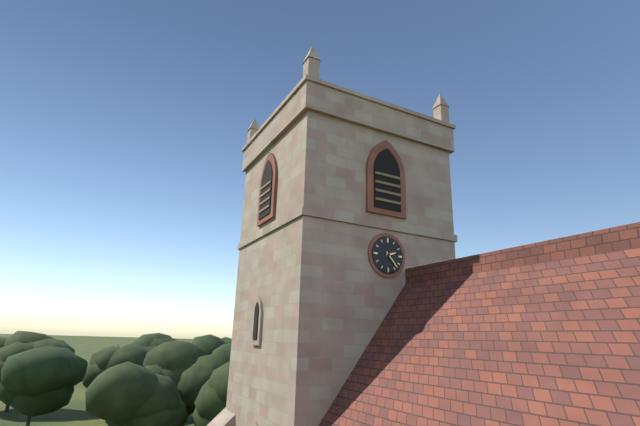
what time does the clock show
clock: 2:23
